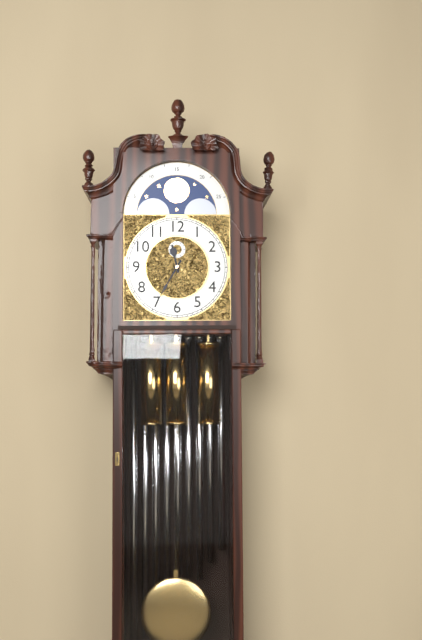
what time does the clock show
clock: 11:35
